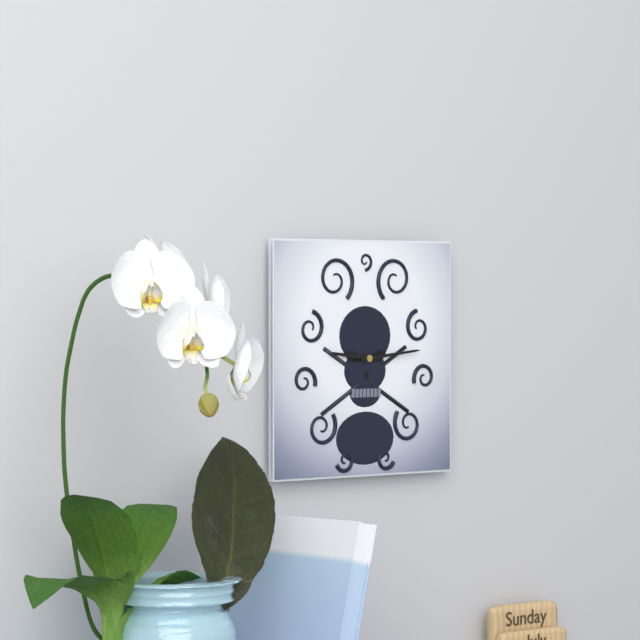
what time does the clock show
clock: 9:14
